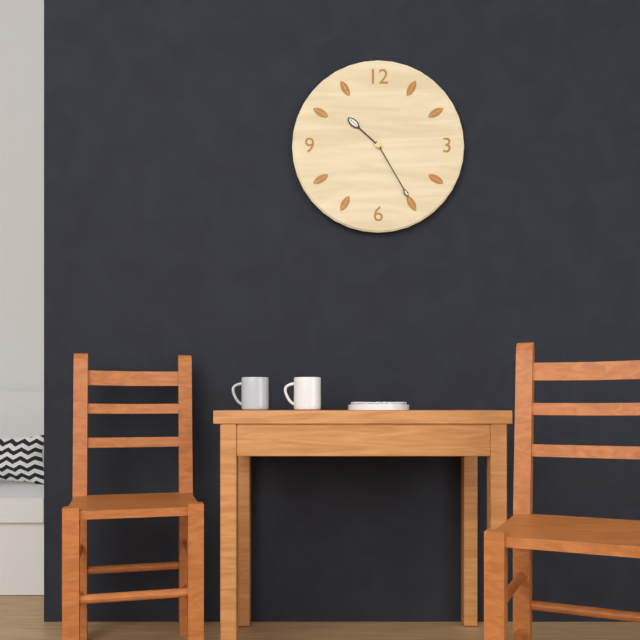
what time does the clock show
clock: 10:25
